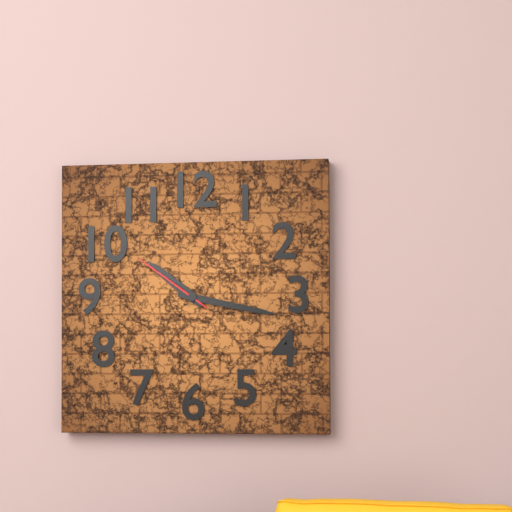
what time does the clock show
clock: 10:17:51
